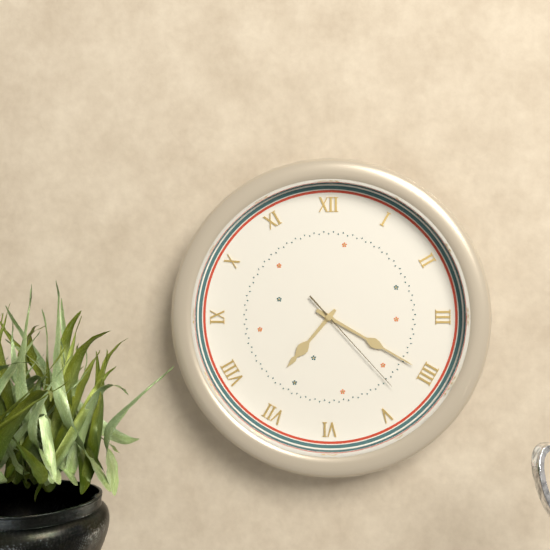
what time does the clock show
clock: 7:20:23
